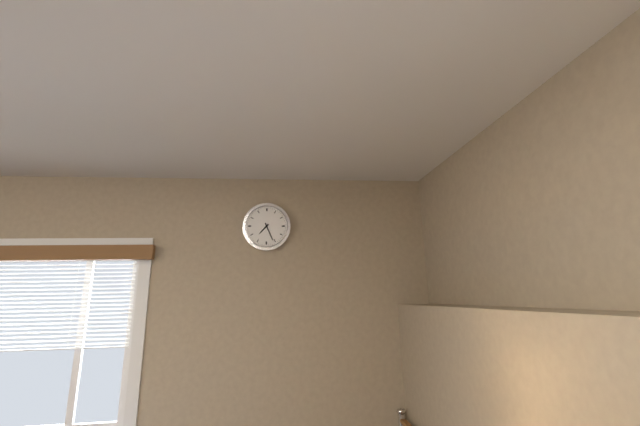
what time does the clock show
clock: 7:26
